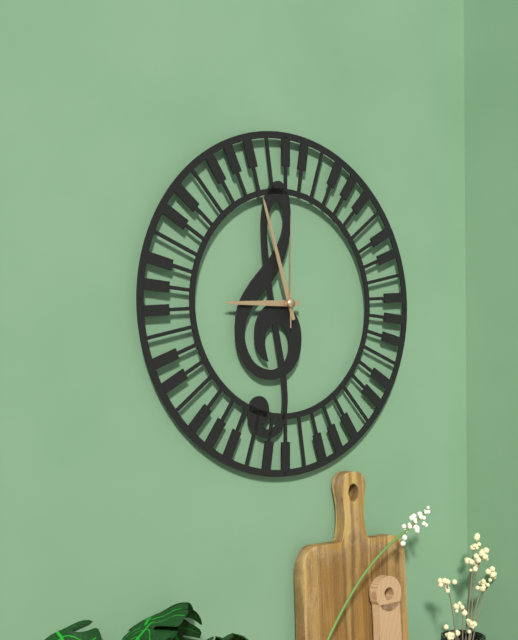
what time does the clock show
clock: 8:57:00
